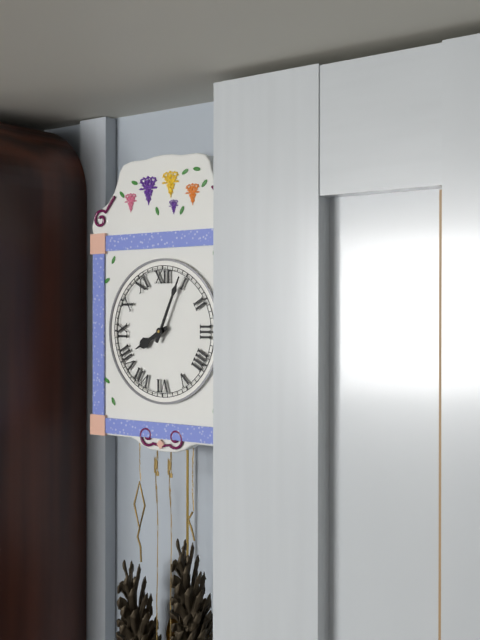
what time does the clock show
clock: 8:04
